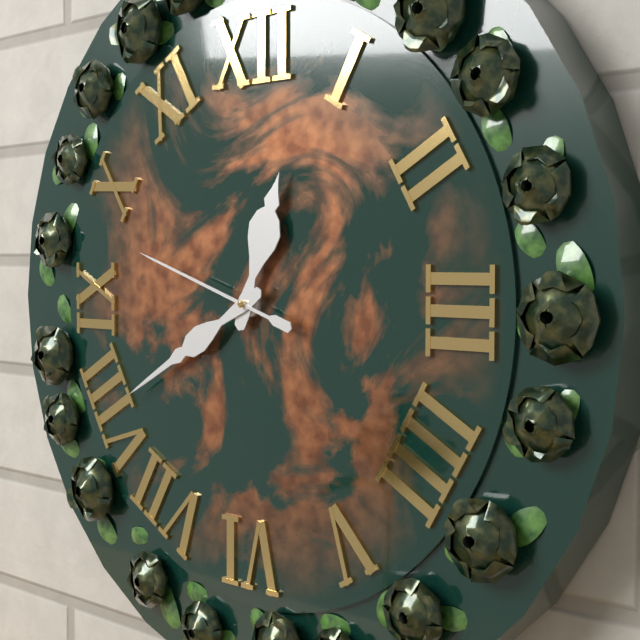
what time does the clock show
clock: 12:40:48
